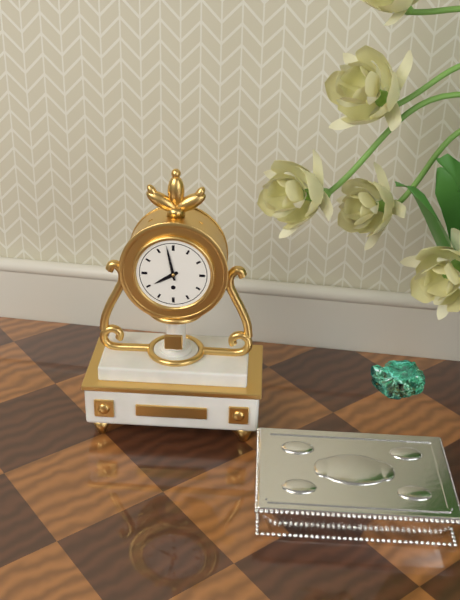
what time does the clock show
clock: 7:58
